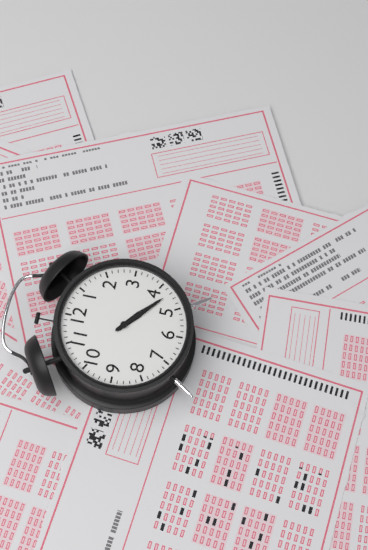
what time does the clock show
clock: 4:22
